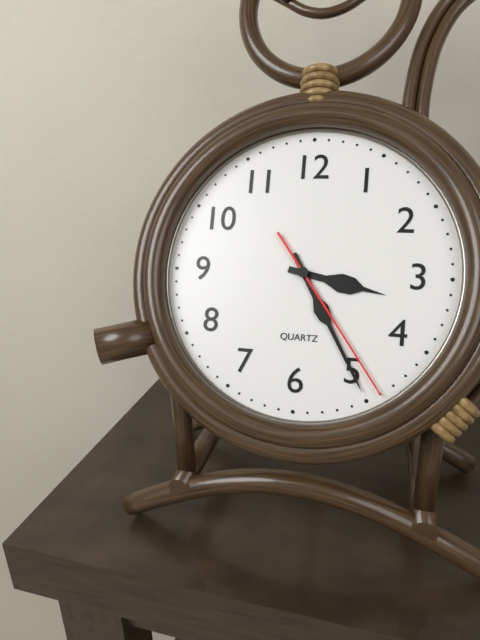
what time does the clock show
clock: 3:25:24
